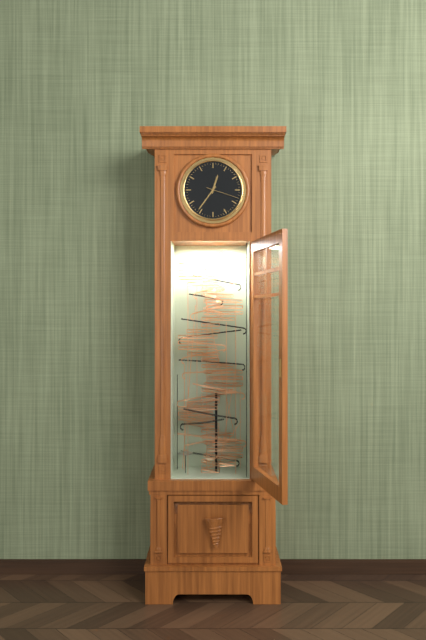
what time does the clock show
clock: 12:36
